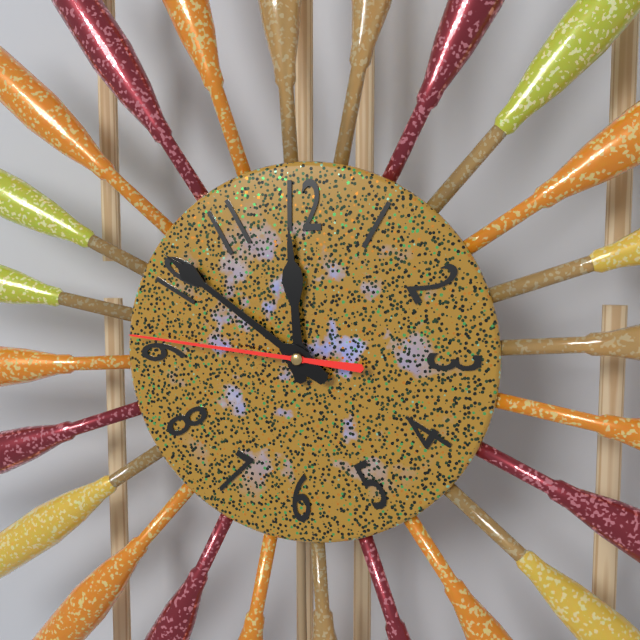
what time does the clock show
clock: 11:51:46
